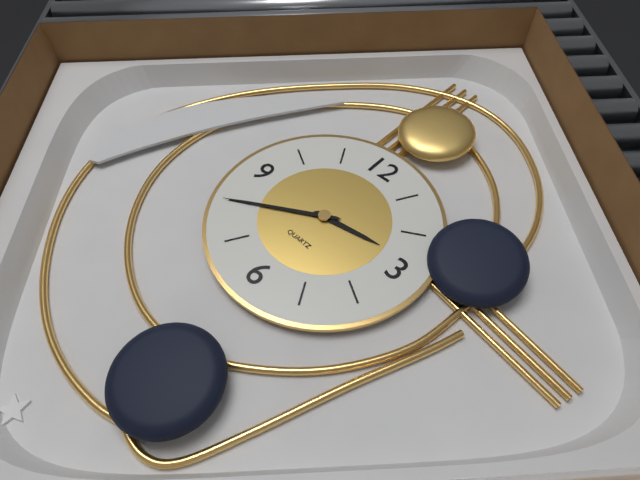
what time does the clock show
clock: 2:40
